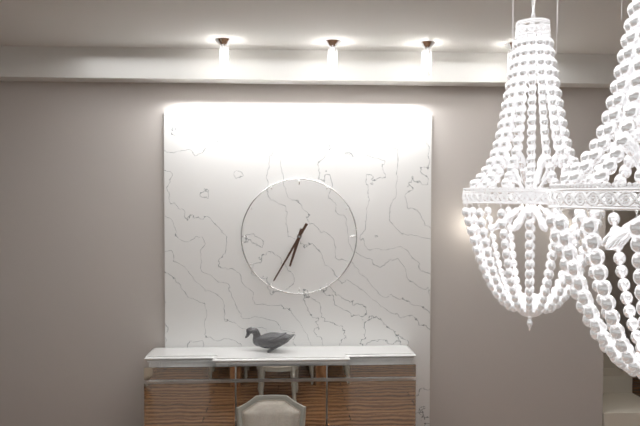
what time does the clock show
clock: 6:35
